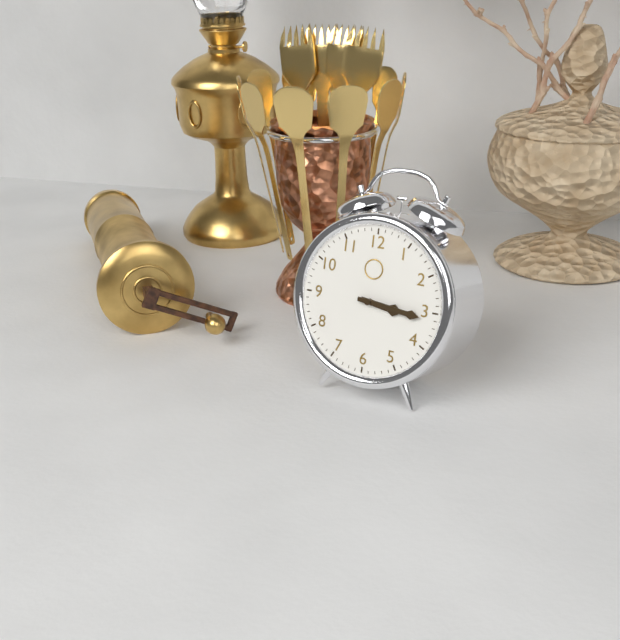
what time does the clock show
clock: 3:16
